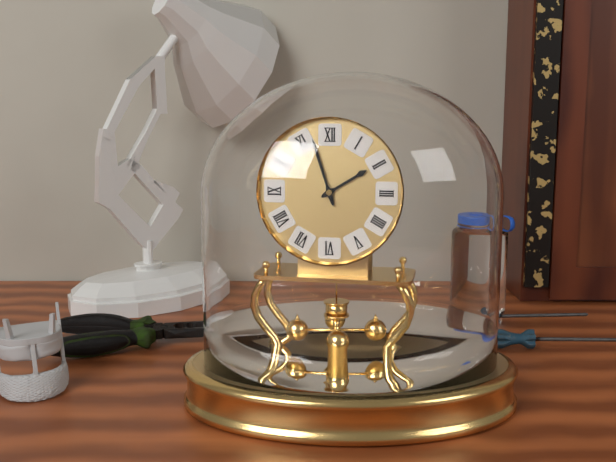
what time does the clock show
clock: 1:57
